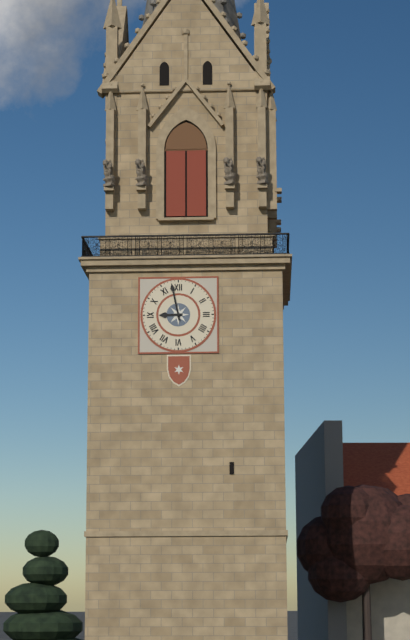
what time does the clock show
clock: 8:58
